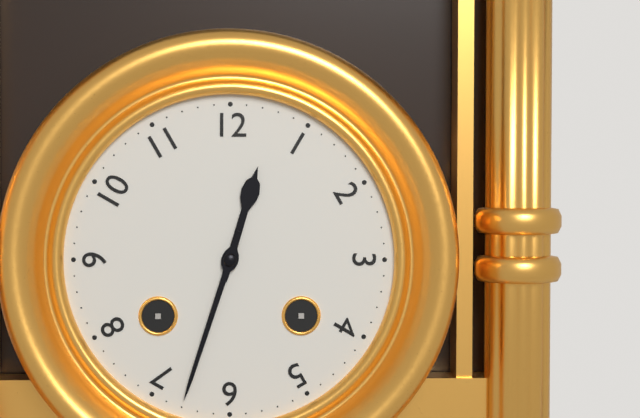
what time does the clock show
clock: 12:33
